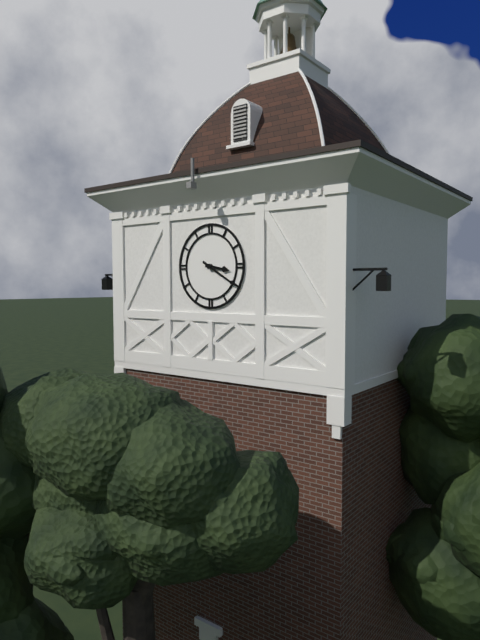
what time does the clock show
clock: 3:20
